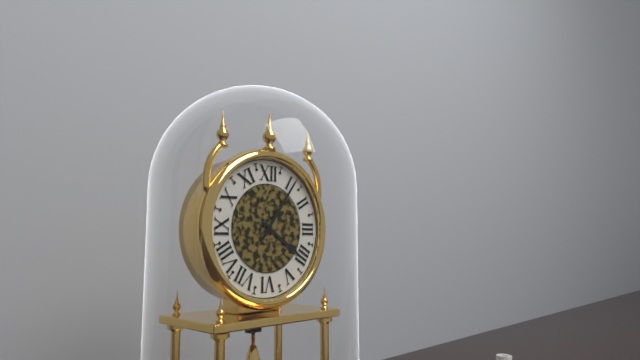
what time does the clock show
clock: 4:06
